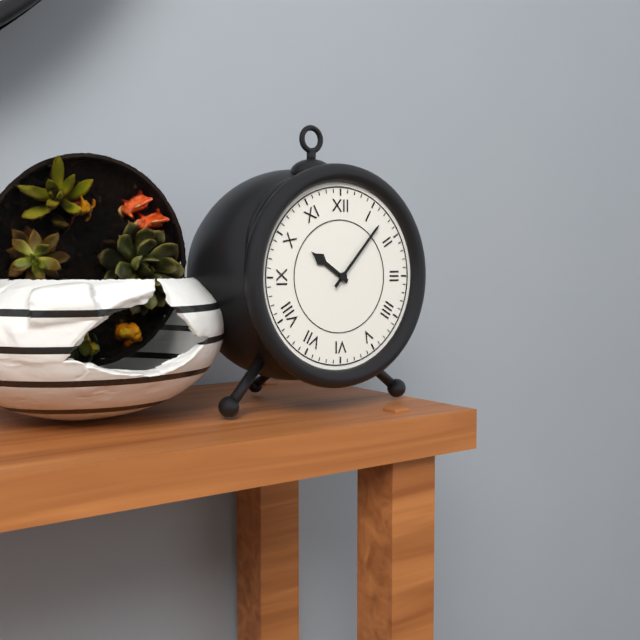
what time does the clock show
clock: 10:07
